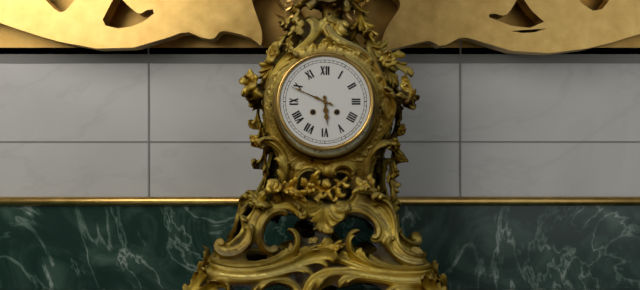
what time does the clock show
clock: 5:49
